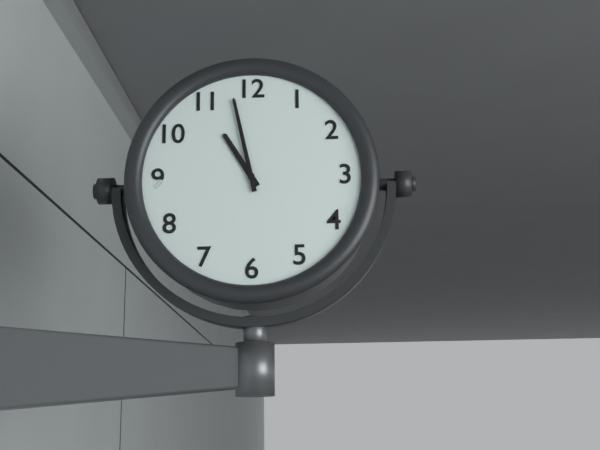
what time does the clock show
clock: 10:58
